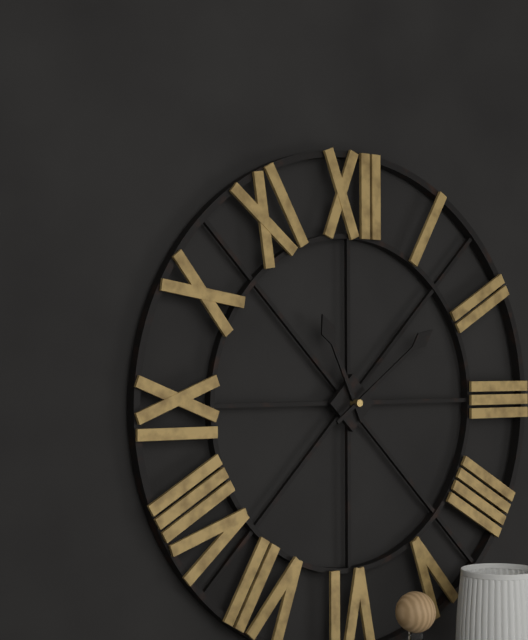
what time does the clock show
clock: 11:09
